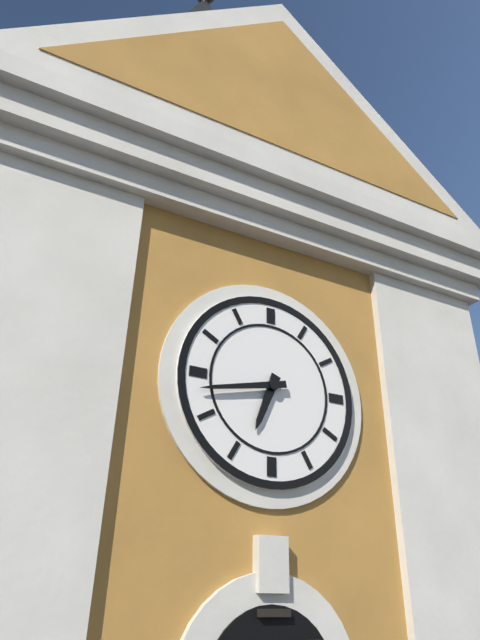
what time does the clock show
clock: 6:43
